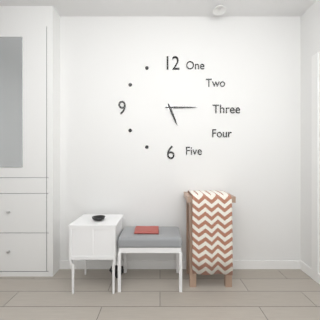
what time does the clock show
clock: 5:15
